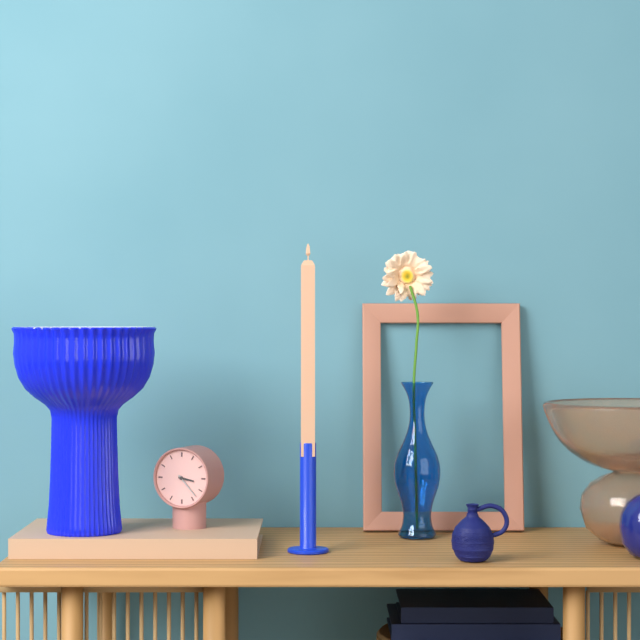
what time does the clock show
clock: 3:23
